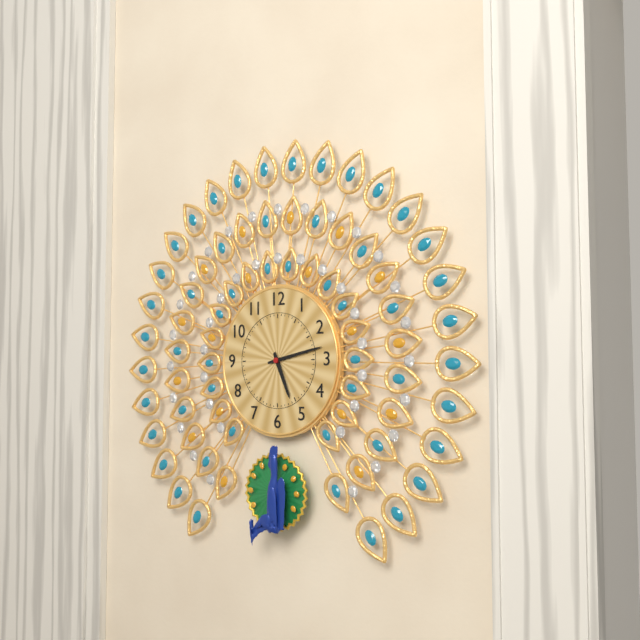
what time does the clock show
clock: 5:13
